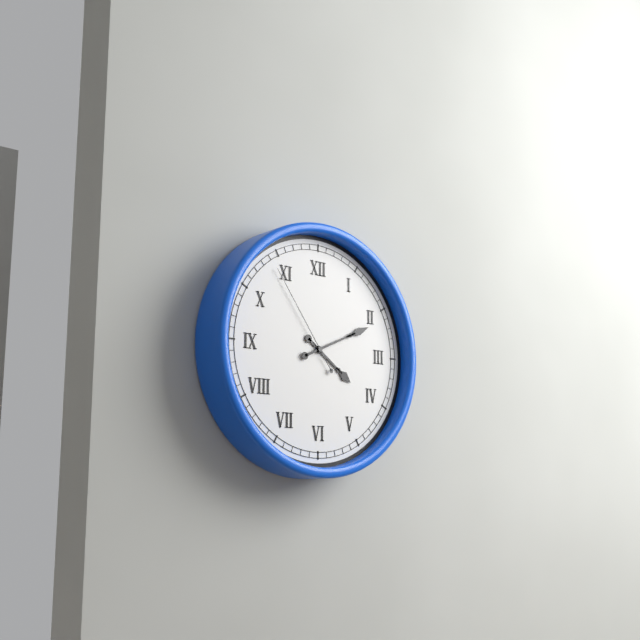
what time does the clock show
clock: 4:11:54
